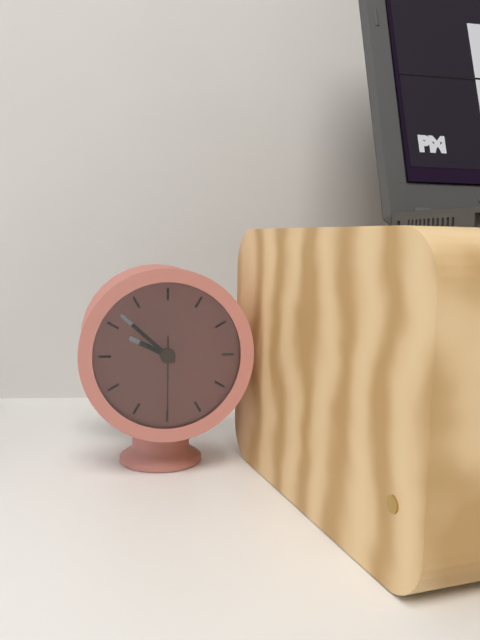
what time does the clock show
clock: 9:52:30
